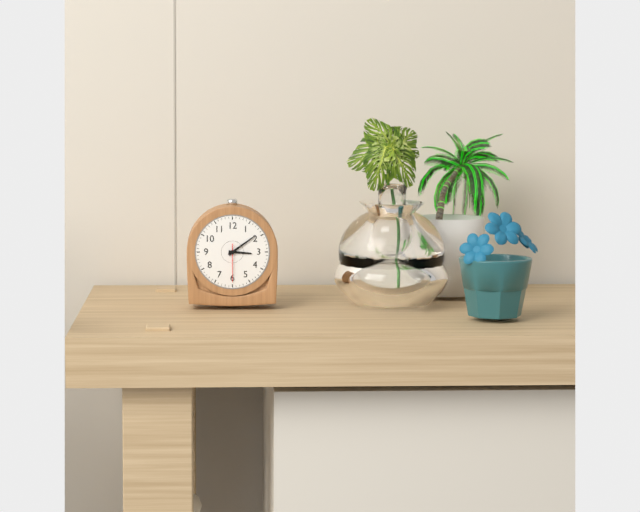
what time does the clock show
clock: 3:09
